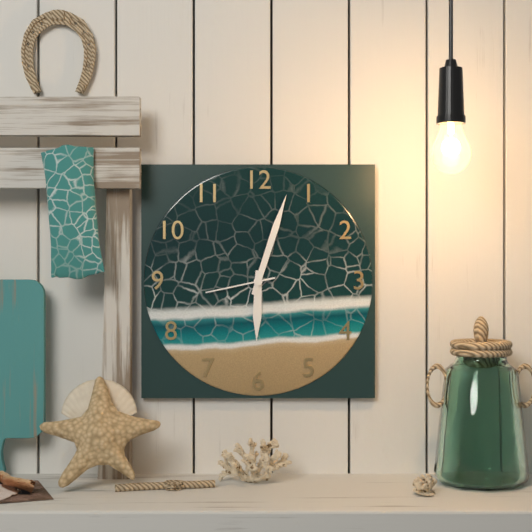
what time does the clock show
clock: 6:03:43
